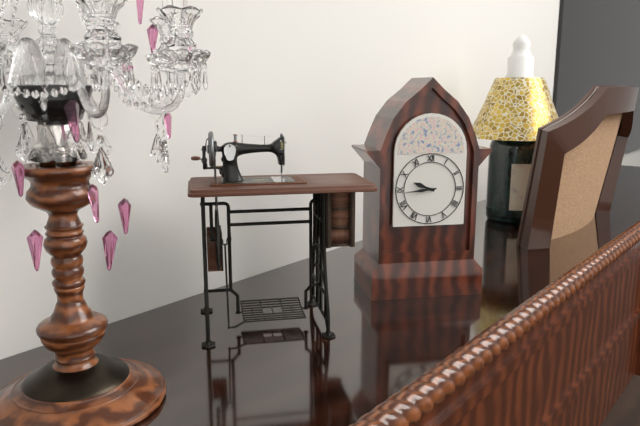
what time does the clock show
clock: 9:44
